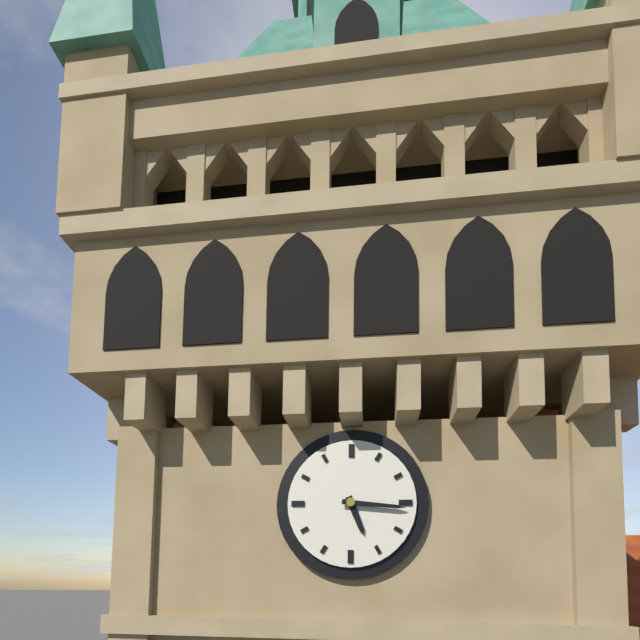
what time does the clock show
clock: 5:16
